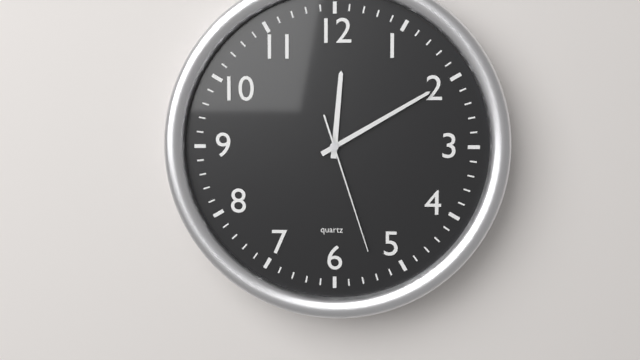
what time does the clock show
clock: 12:10:27
